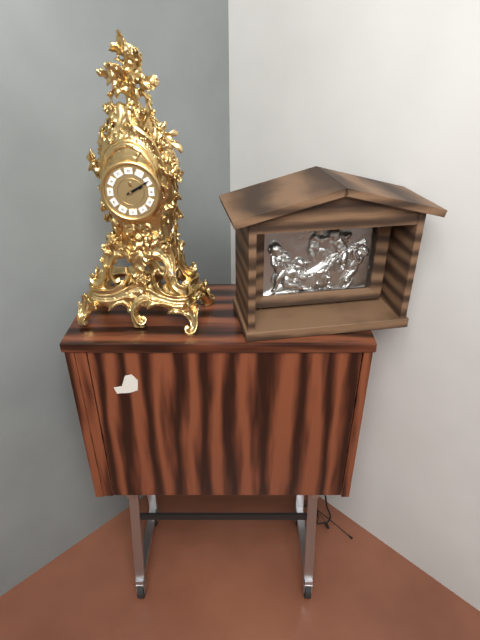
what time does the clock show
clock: 2:10
